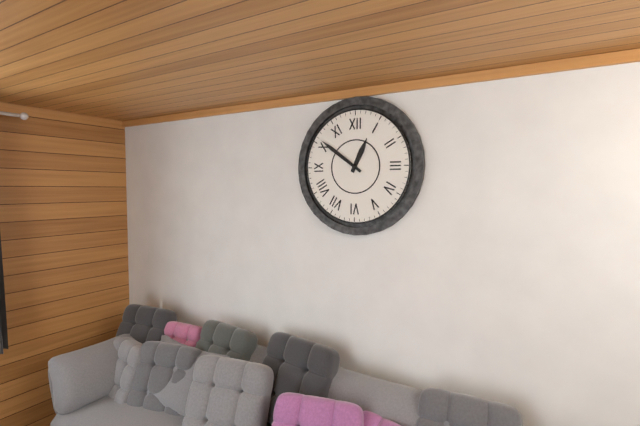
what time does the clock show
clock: 12:51
